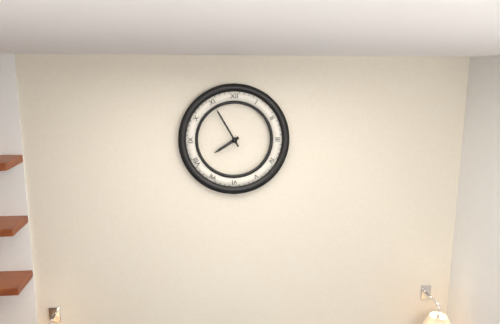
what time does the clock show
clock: 7:55
